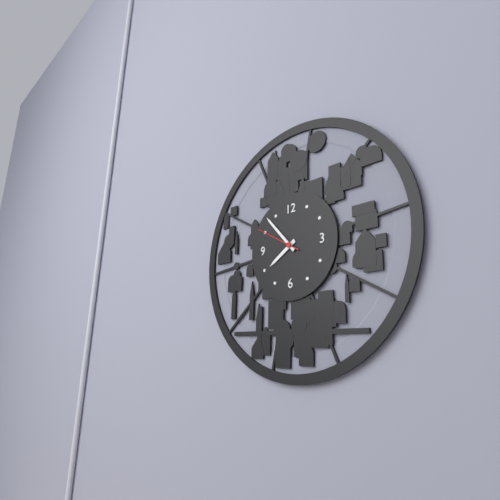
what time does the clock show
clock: 7:53:50
